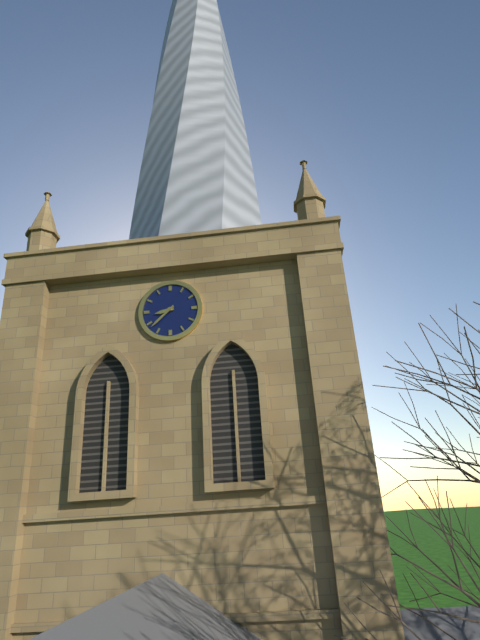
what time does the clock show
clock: 8:38
